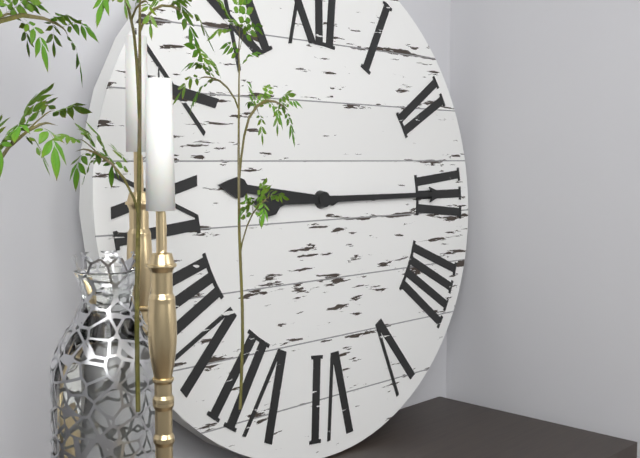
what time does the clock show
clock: 9:15
